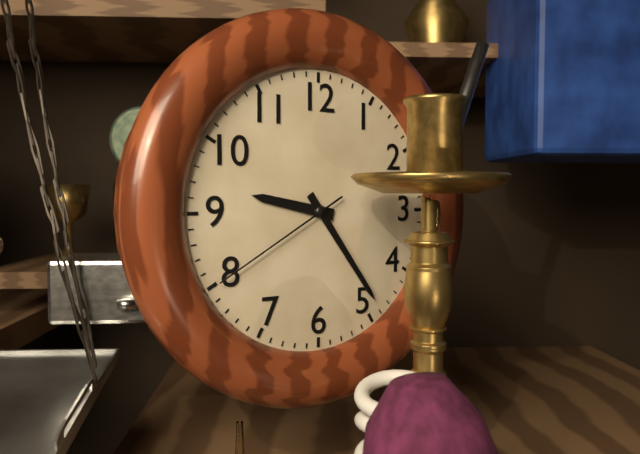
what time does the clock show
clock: 9:24:40
